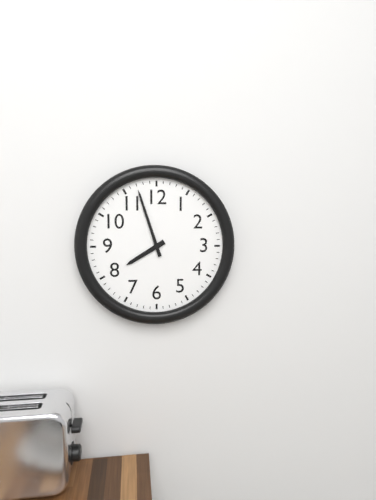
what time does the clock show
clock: 7:57
